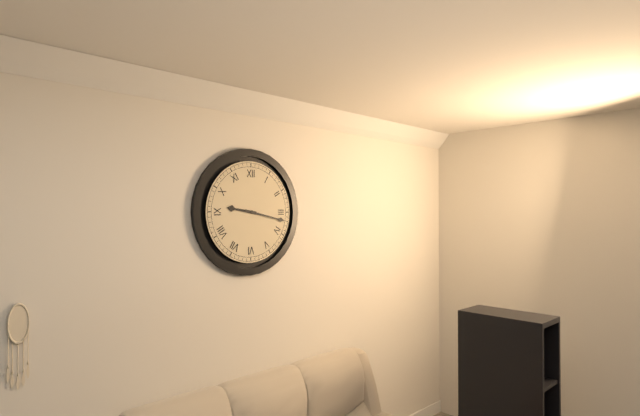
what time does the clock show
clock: 9:17
